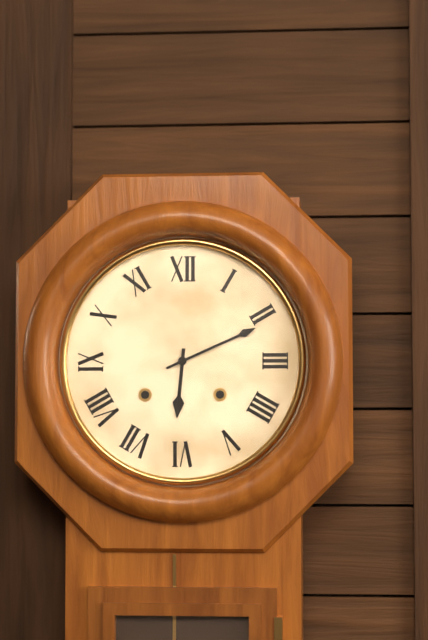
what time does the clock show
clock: 6:11
